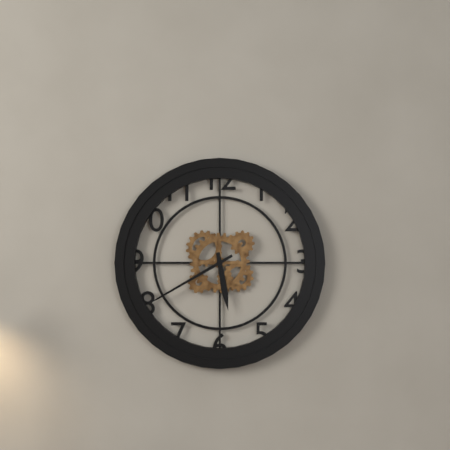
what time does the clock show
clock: 5:40
